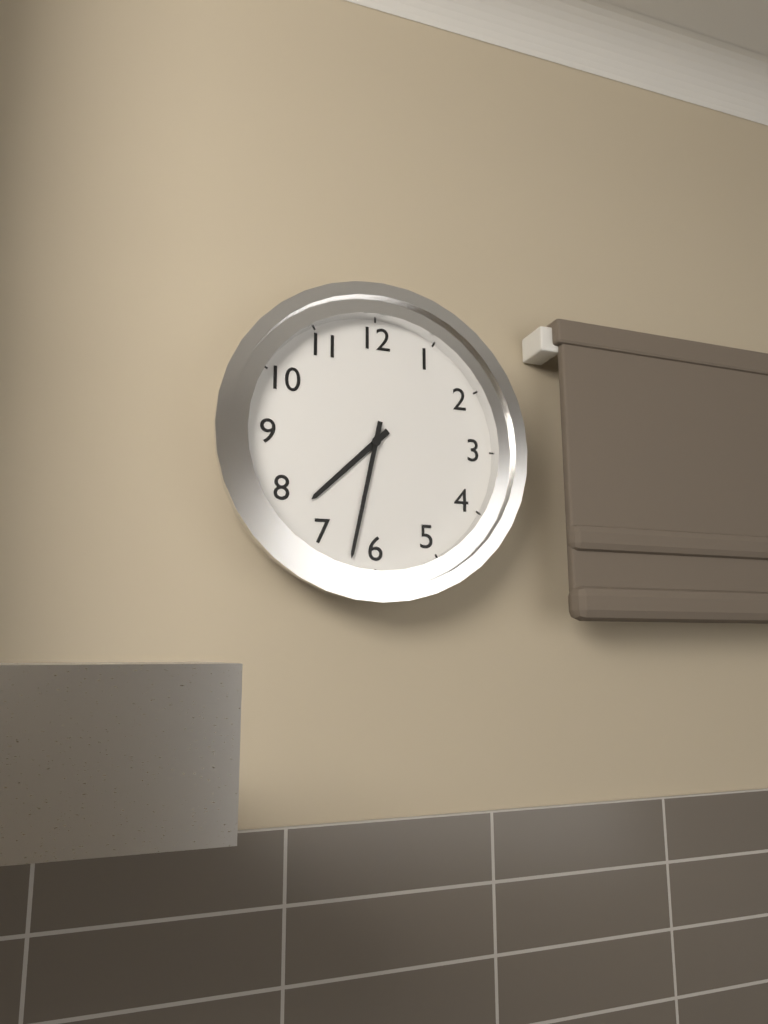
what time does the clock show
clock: 7:32
